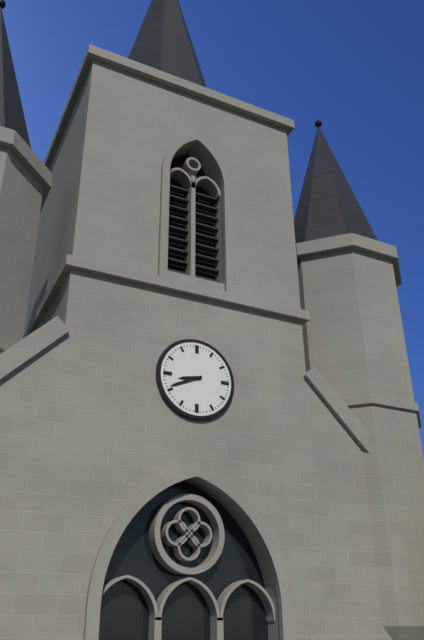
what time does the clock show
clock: 8:41
